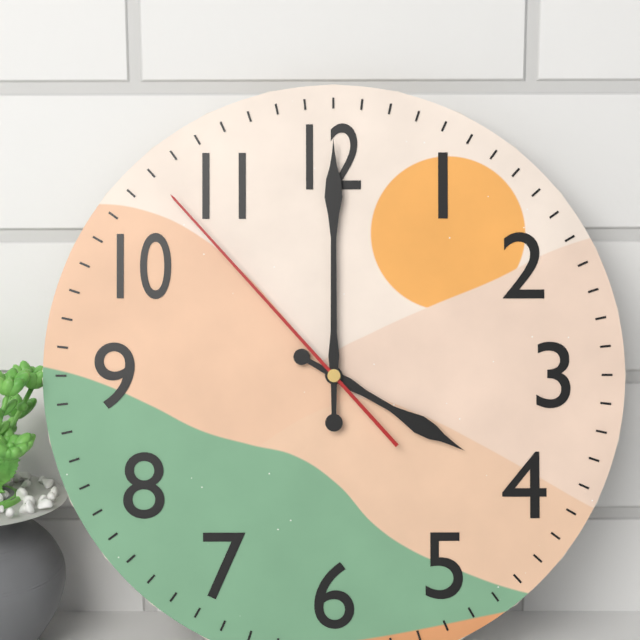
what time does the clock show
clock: 4:00:53
